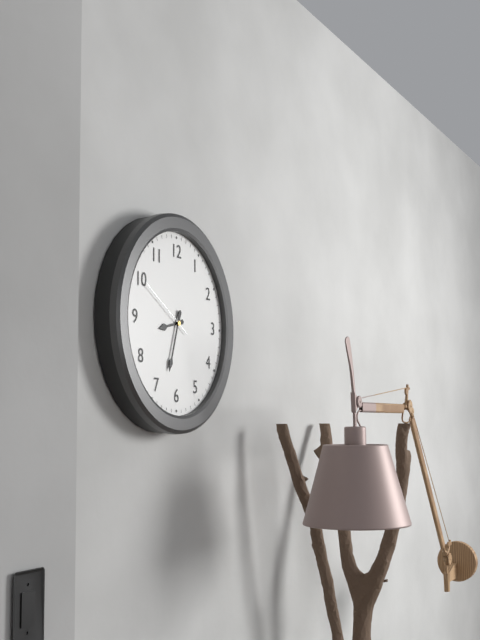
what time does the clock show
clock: 8:33:50
